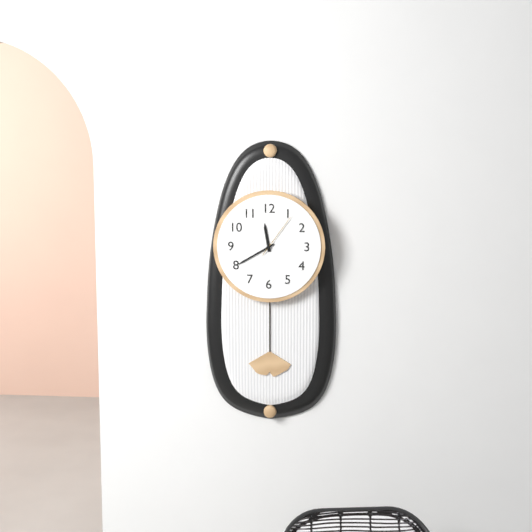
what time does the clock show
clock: 11:40:06
